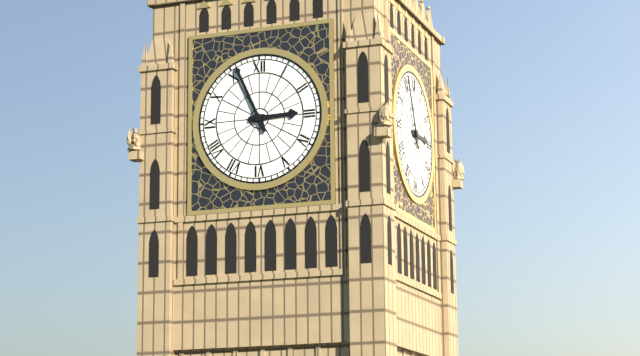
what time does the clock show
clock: 2:56
